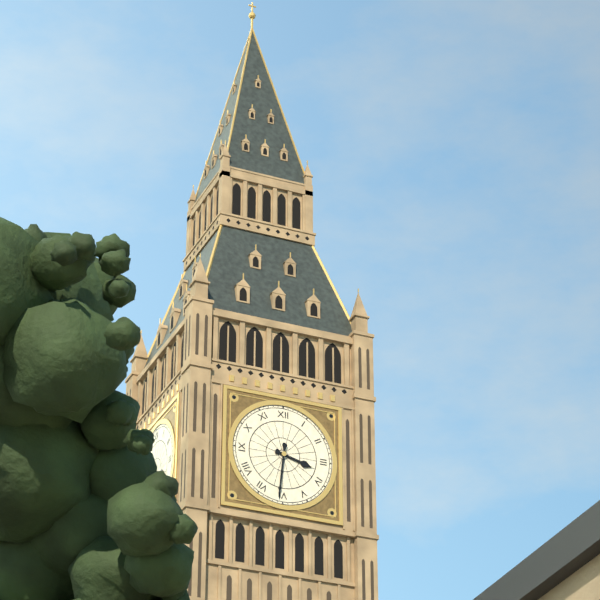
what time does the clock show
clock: 3:31
